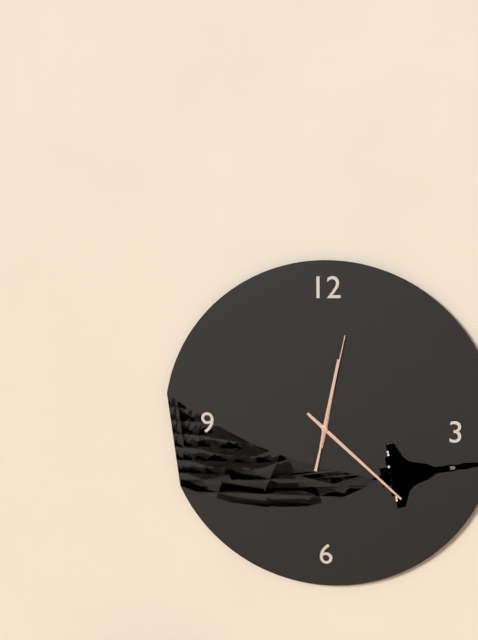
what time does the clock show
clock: 12:22:02
